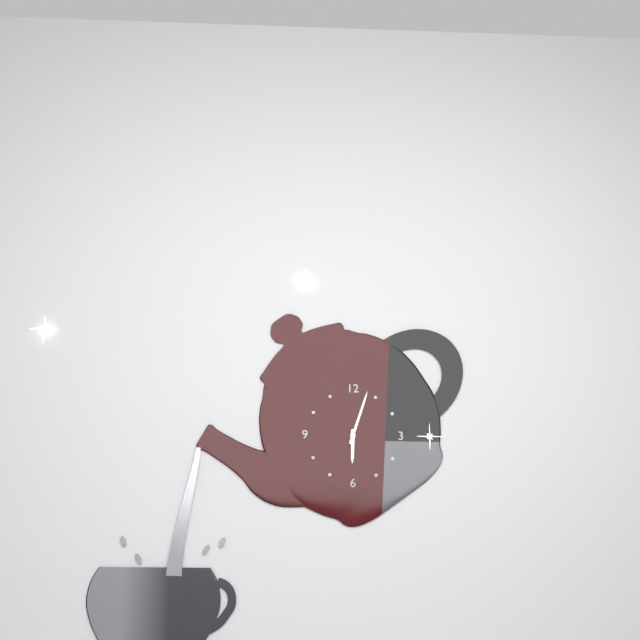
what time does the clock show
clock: 6:03
